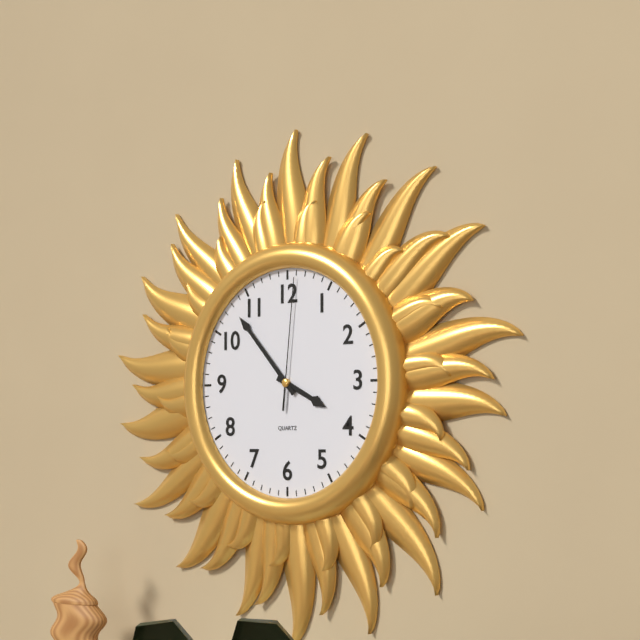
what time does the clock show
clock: 3:53:01
